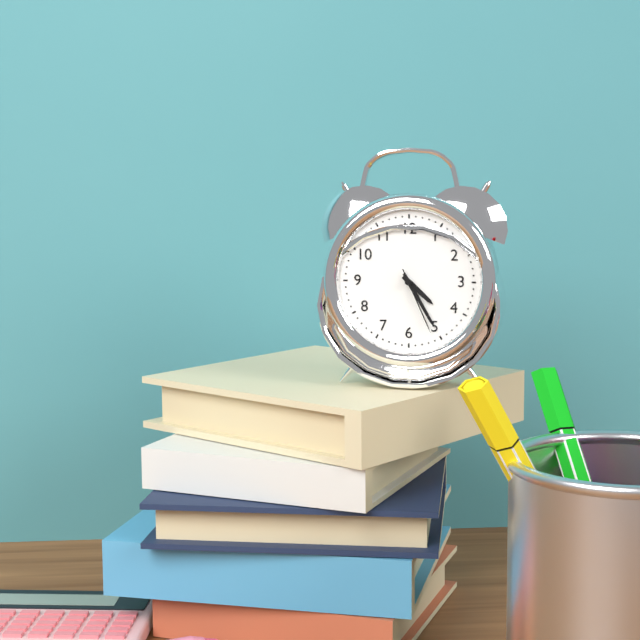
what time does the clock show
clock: 4:25:26
